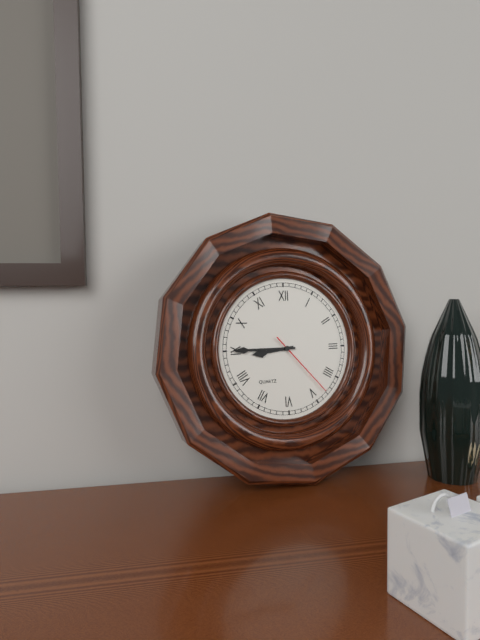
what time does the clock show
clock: 8:45:23
